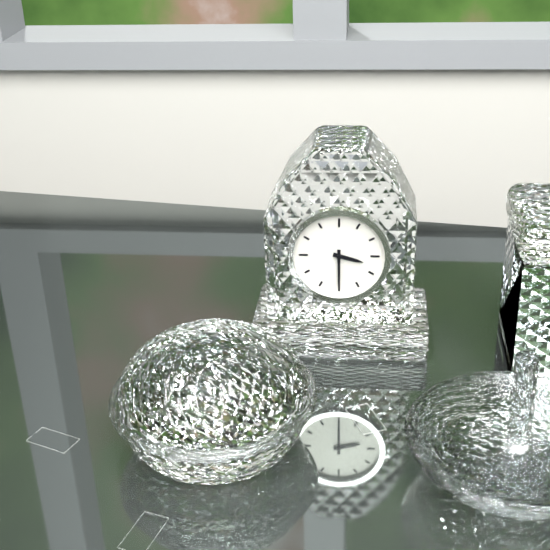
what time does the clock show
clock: 3:30
